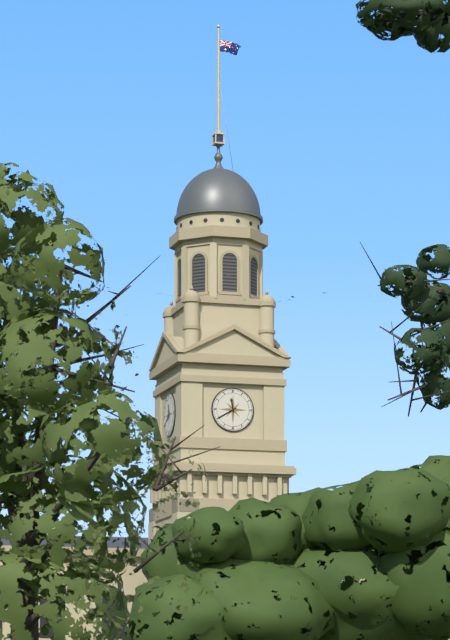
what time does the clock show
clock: 11:40
